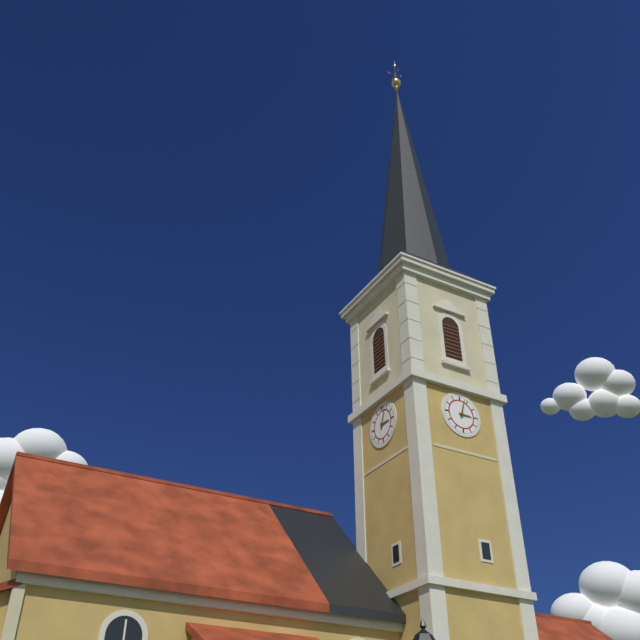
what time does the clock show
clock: 3:03
